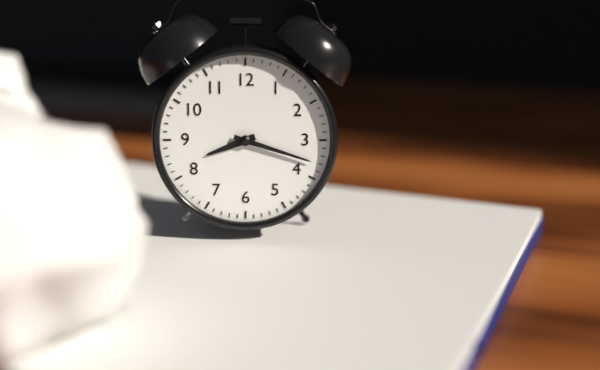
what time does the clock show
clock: 8:18
